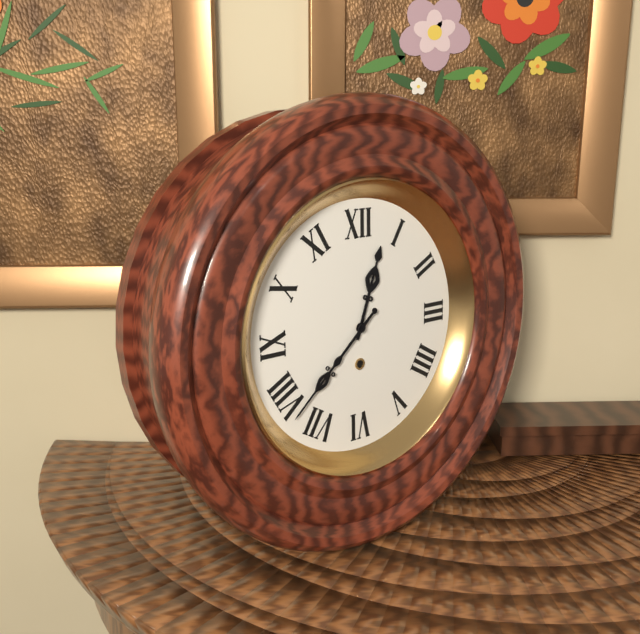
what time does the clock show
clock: 12:38
